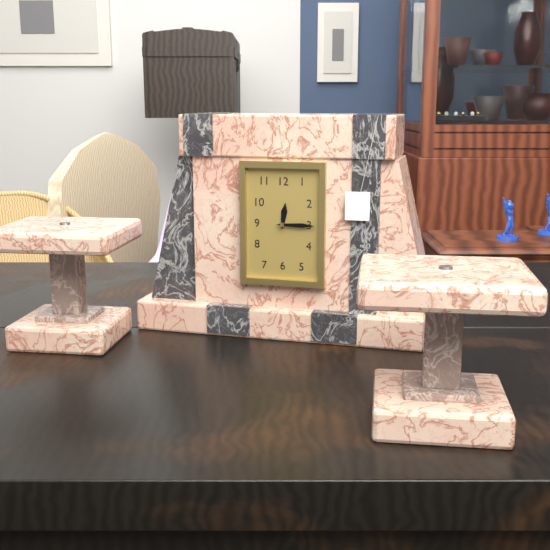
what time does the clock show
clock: 12:15
